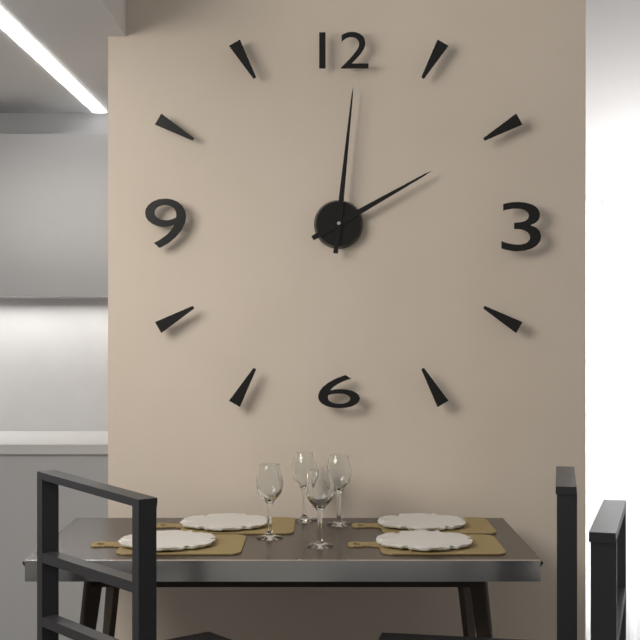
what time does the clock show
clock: 2:01
